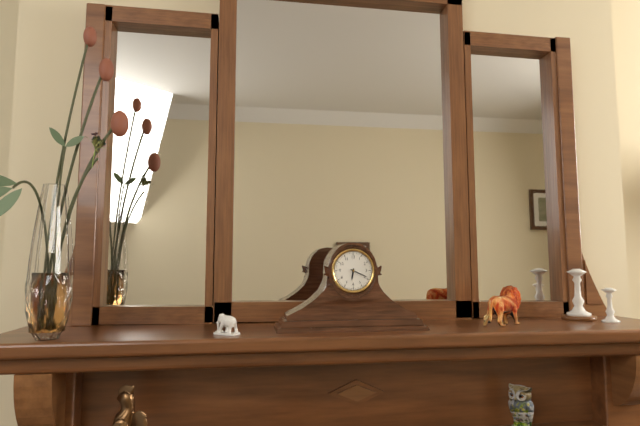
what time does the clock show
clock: 6:19
